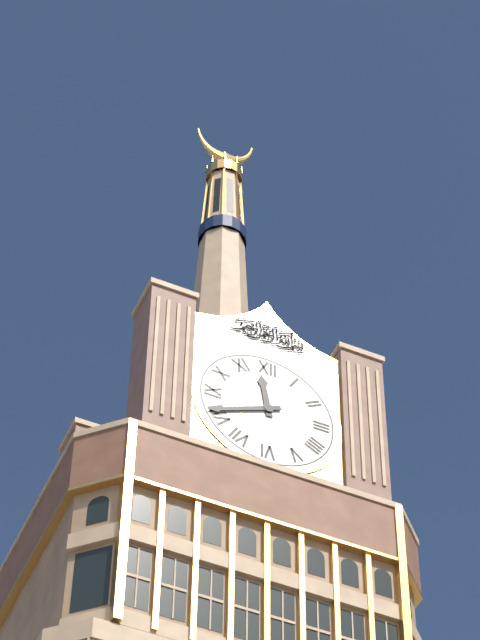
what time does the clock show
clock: 11:41
